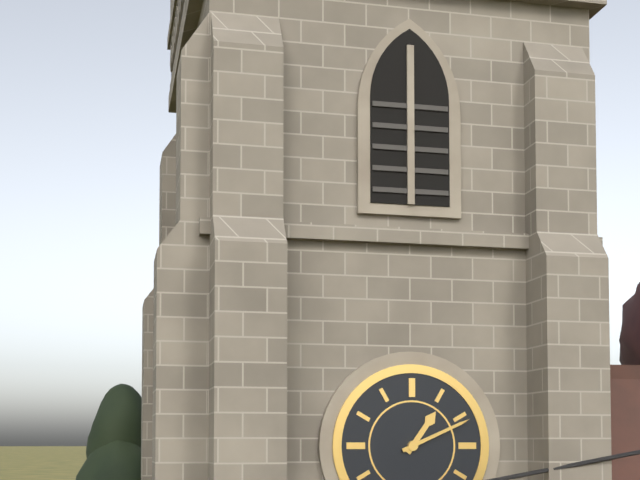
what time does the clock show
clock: 1:11
